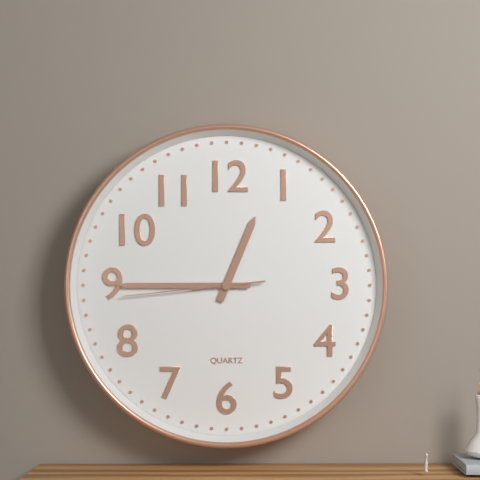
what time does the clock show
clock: 12:45:44
